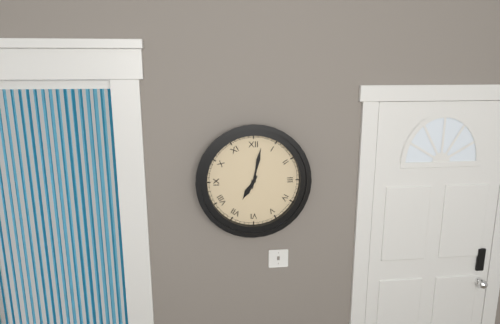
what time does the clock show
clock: 7:02
